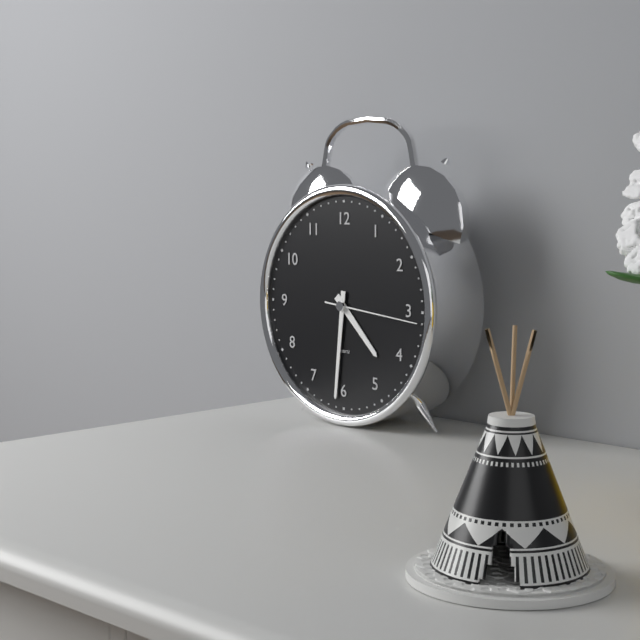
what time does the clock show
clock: 4:31:16
